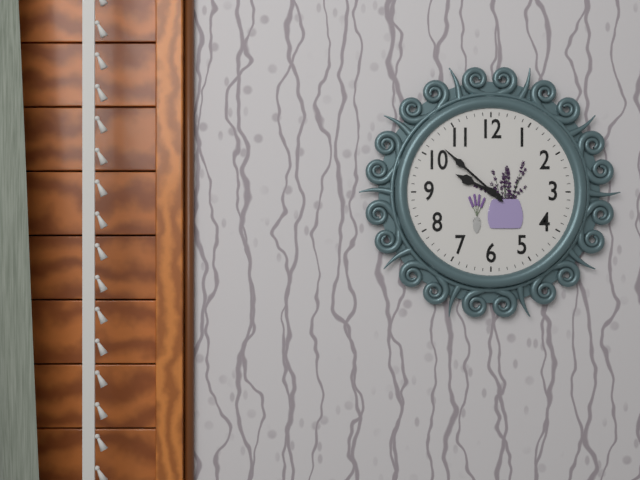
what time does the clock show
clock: 9:52
